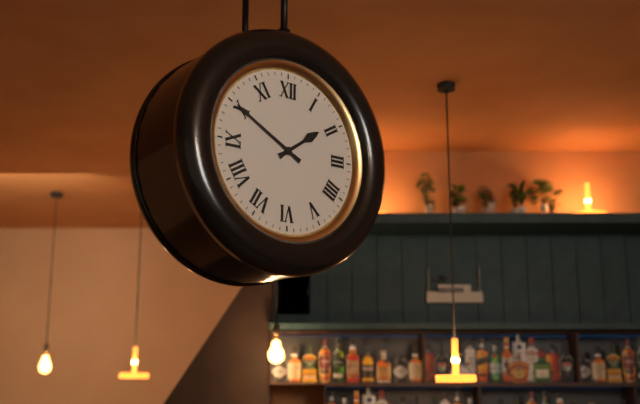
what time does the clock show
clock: 1:50
